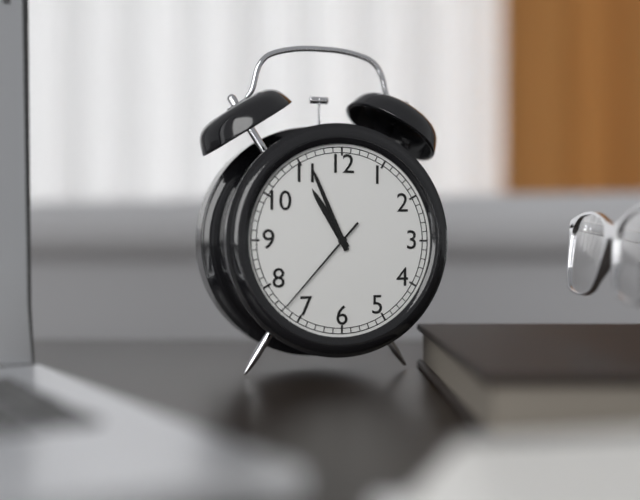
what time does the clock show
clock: 10:56:37
